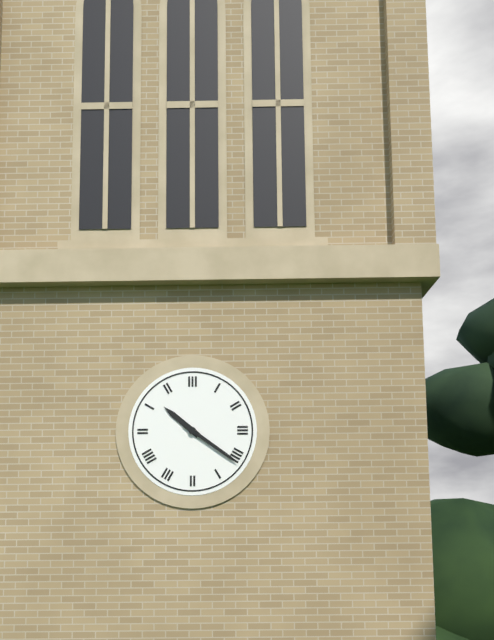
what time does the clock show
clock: 10:21
